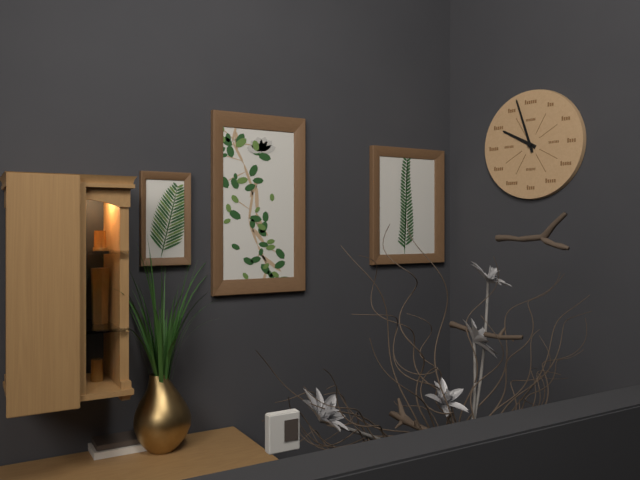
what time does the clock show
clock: 9:57
